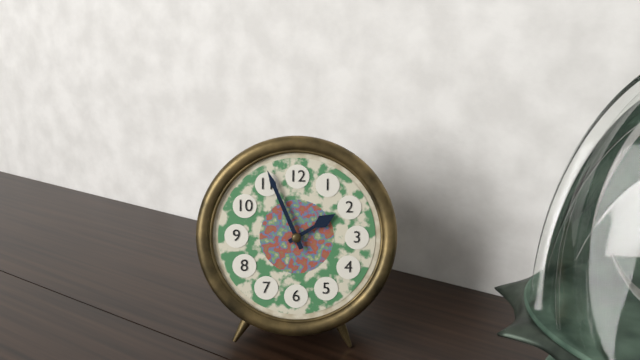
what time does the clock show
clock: 1:56
